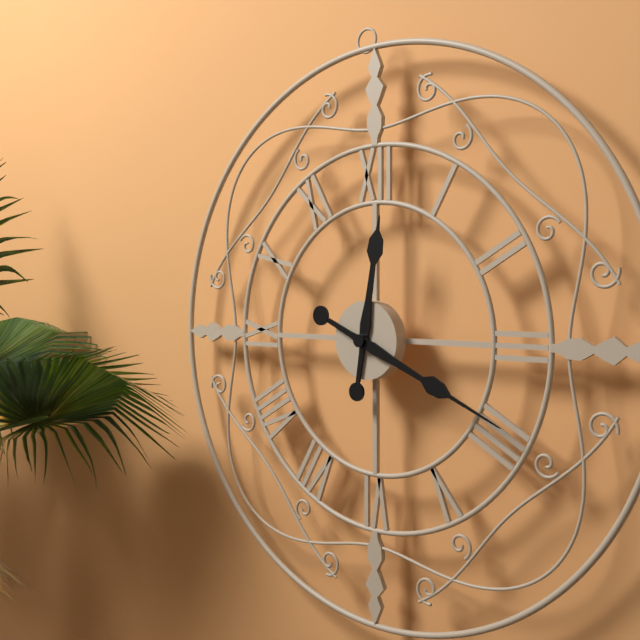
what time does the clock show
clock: 12:19
